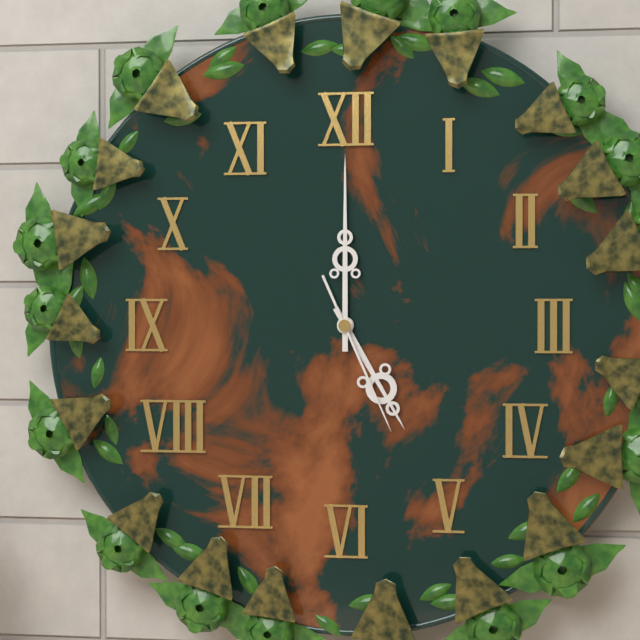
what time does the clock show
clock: 5:00:26
